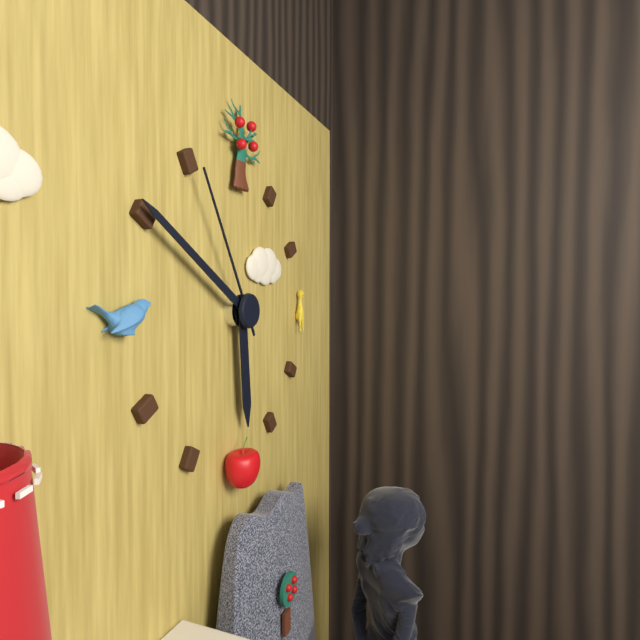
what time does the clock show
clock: 5:50:55
